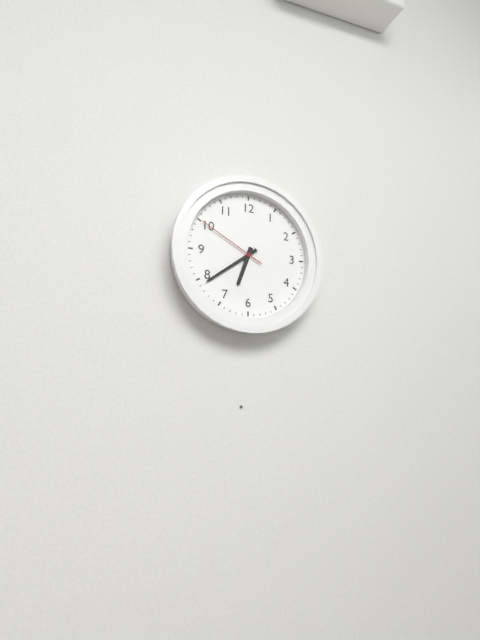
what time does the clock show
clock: 6:39:50
